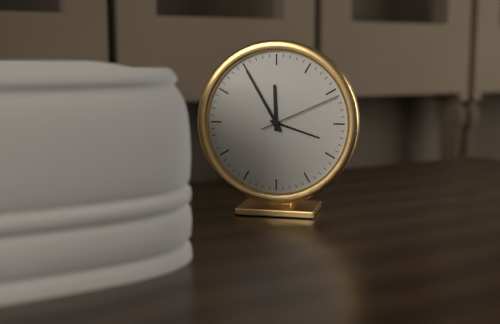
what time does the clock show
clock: 11:55:11
